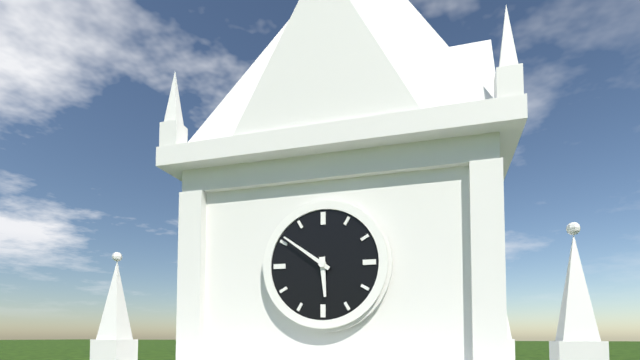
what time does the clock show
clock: 5:51
